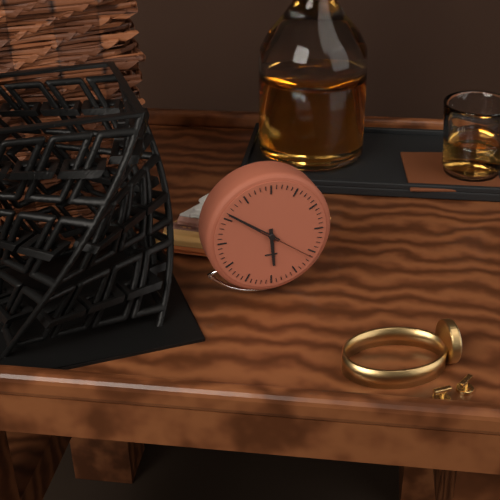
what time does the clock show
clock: 5:51:21
